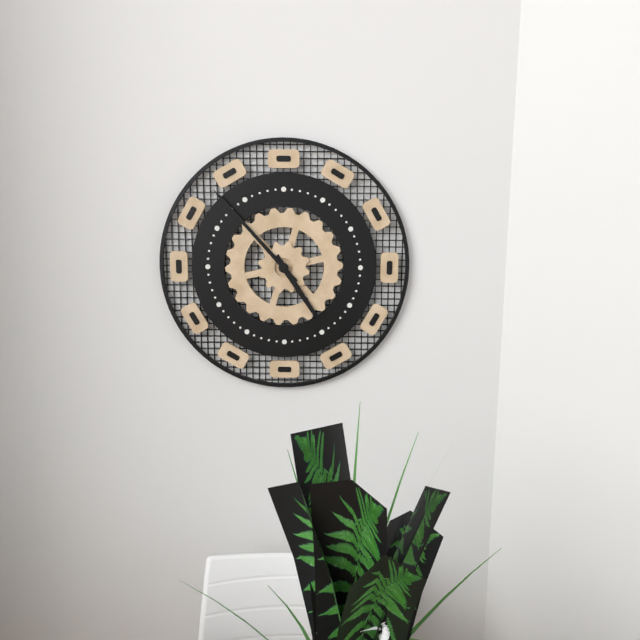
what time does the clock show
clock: 4:53
